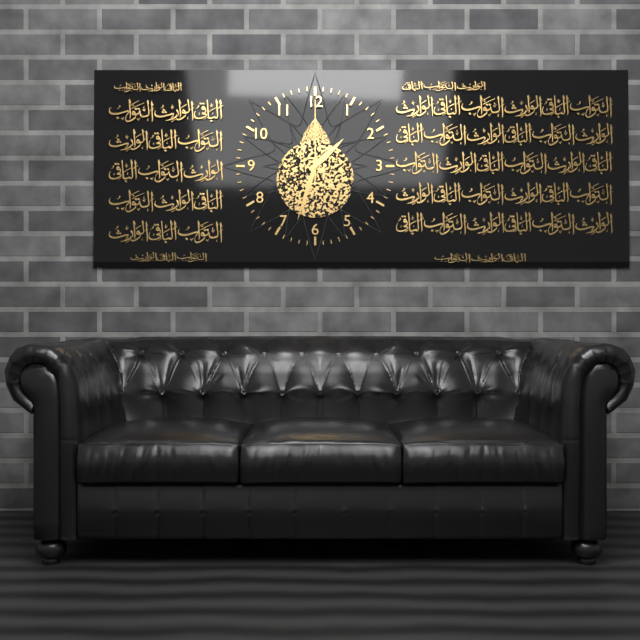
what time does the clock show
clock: 1:33:00
